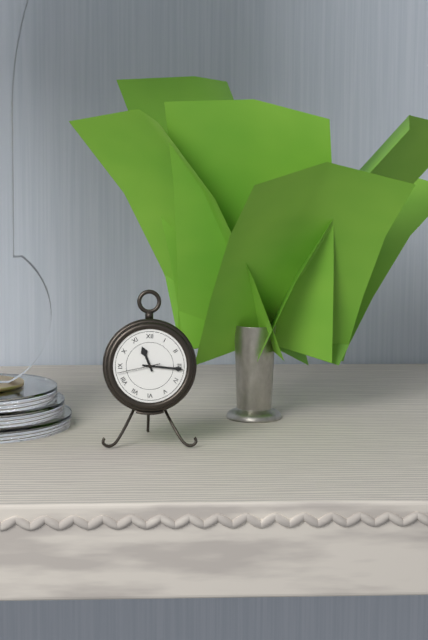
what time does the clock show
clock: 11:16
